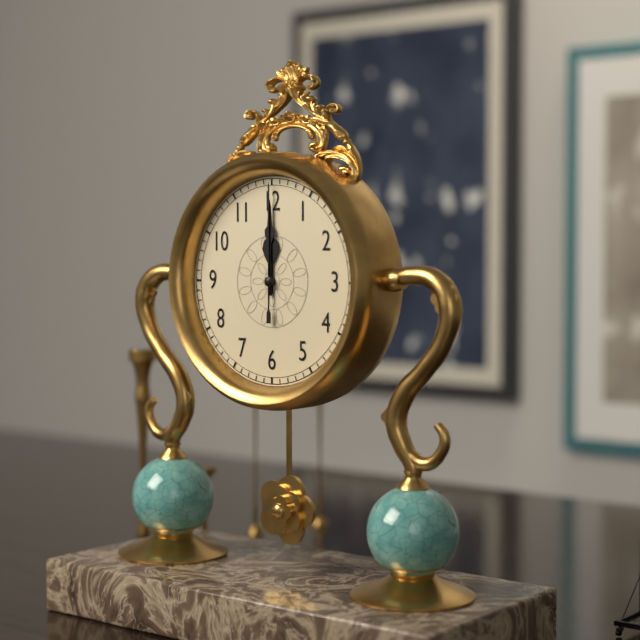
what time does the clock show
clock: 12:00:00
